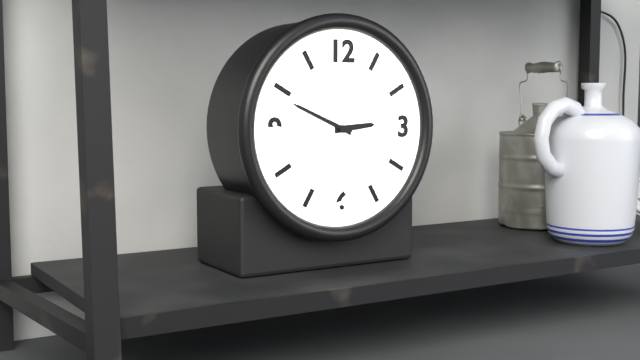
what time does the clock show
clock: 2:49
